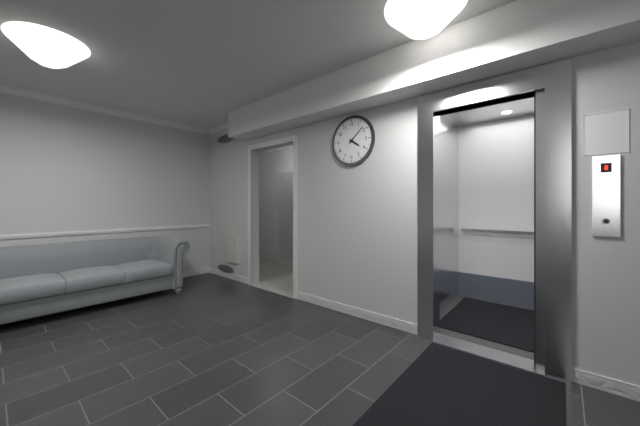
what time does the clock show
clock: 4:08
